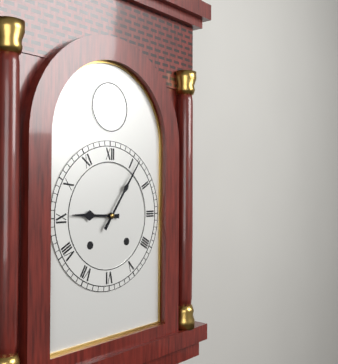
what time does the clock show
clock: 9:06
